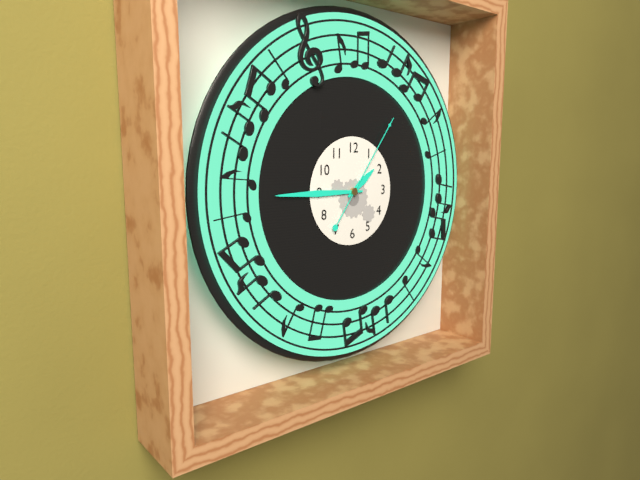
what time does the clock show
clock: 1:45:06
